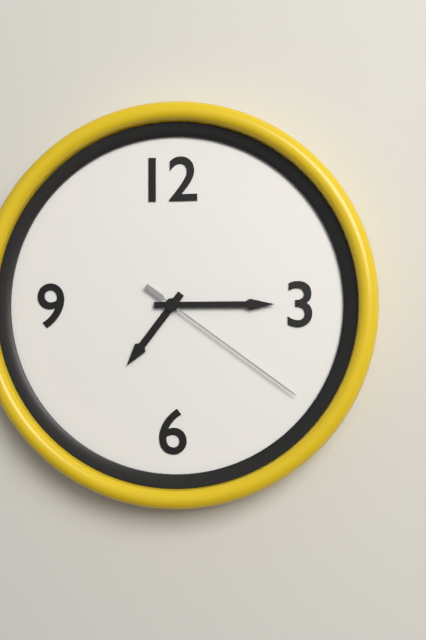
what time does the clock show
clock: 7:15:21
